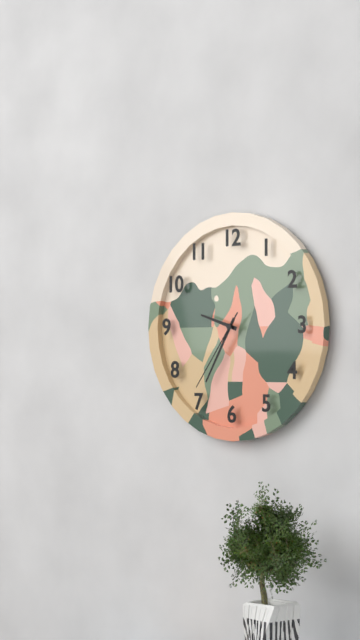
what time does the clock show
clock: 9:35:36
